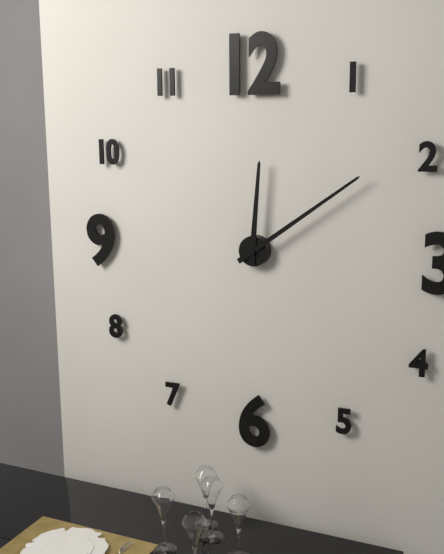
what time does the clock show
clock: 12:09
